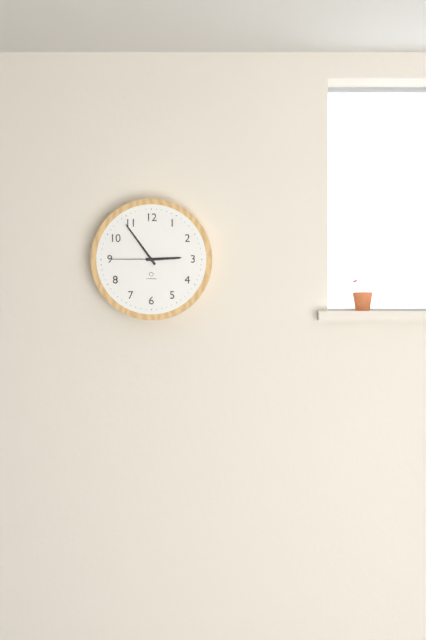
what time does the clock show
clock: 2:54:45
